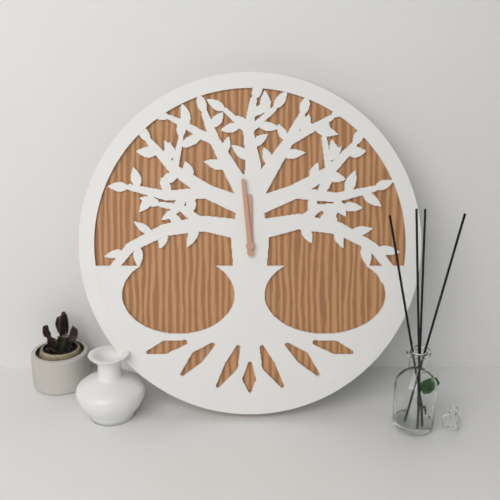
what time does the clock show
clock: 11:59
